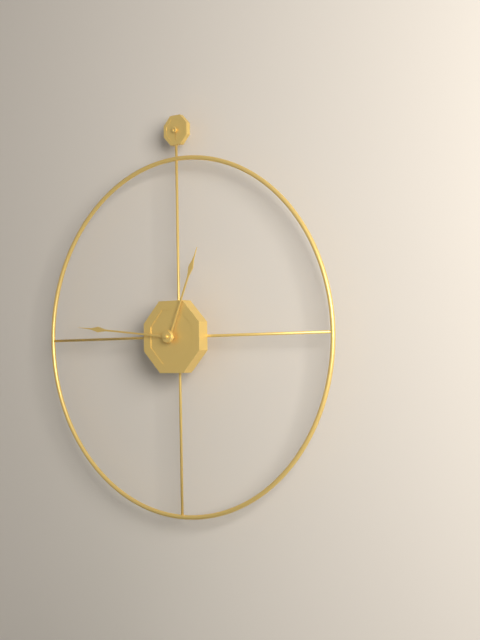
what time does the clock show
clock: 12:46
